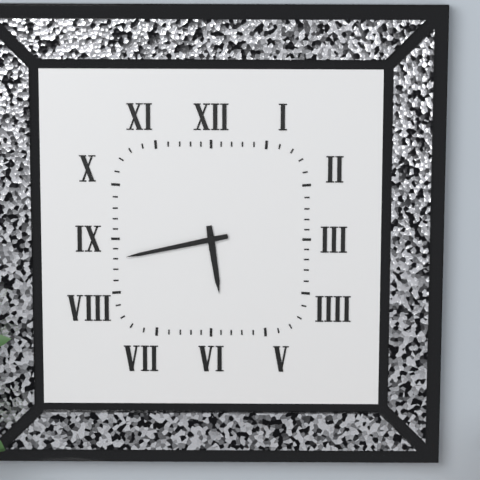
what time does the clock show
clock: 5:43
